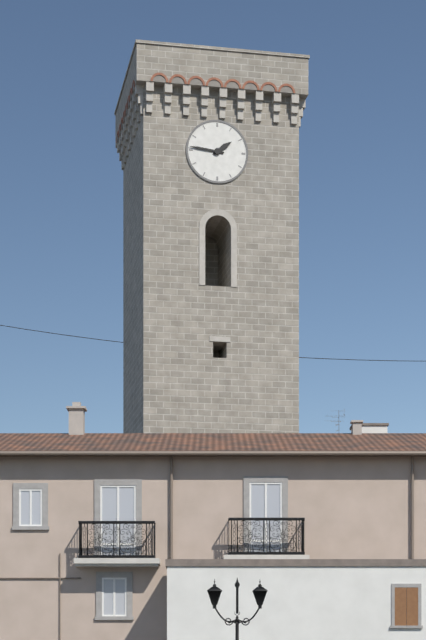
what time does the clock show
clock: 1:46
